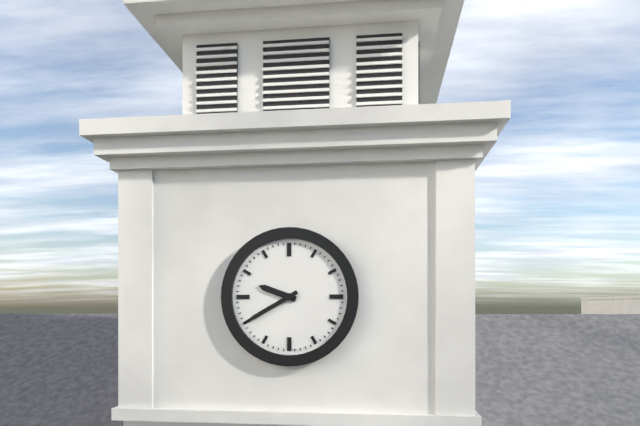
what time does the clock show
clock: 9:40
